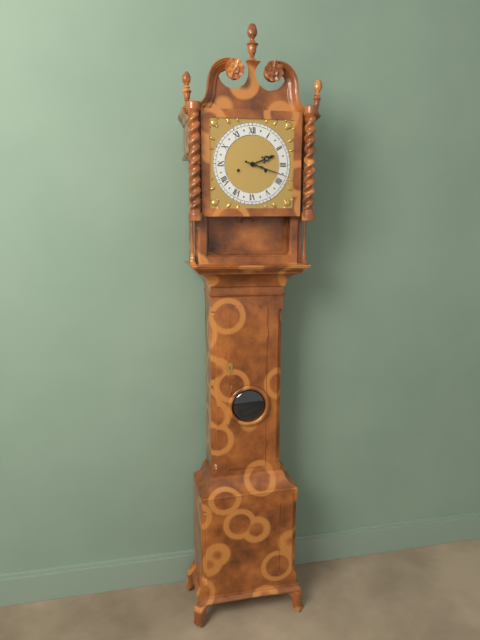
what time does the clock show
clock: 2:18
